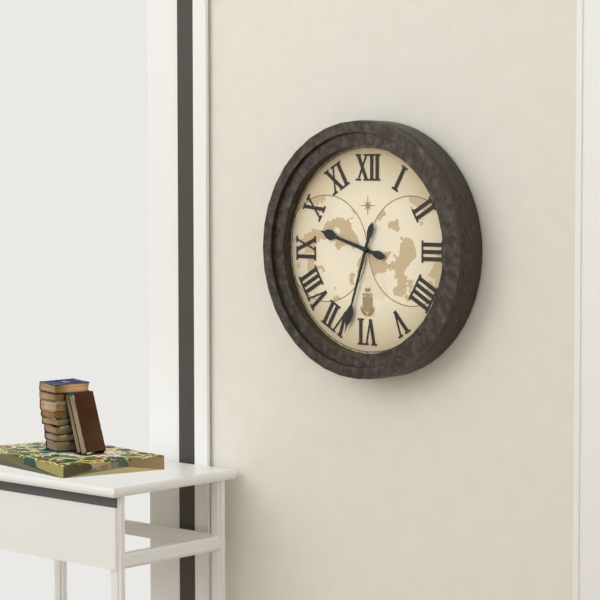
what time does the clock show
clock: 9:33
